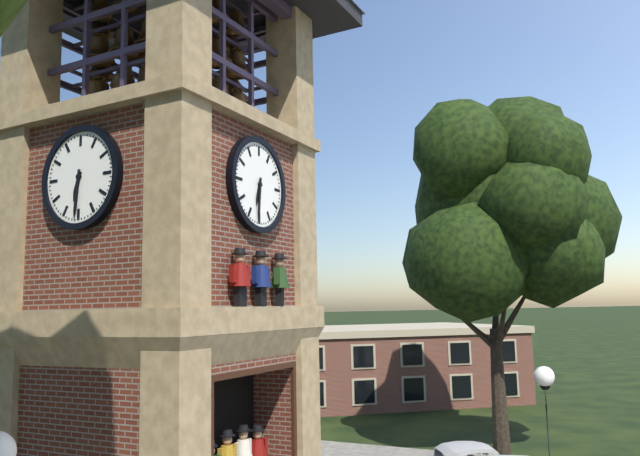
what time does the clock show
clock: 6:31
